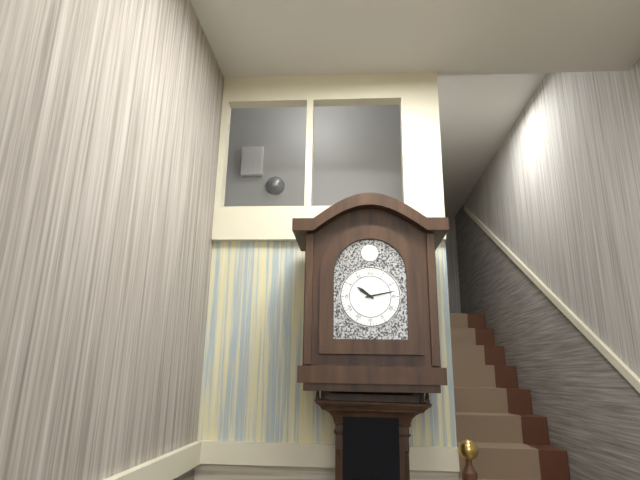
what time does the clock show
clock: 10:13
